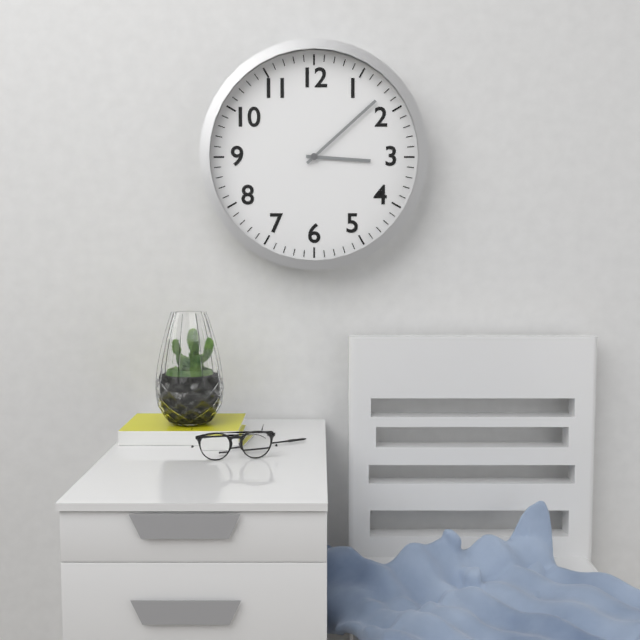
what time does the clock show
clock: 3:08
